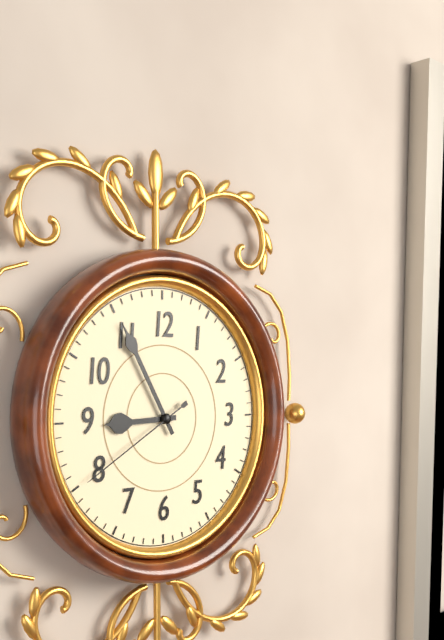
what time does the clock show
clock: 8:55:40
